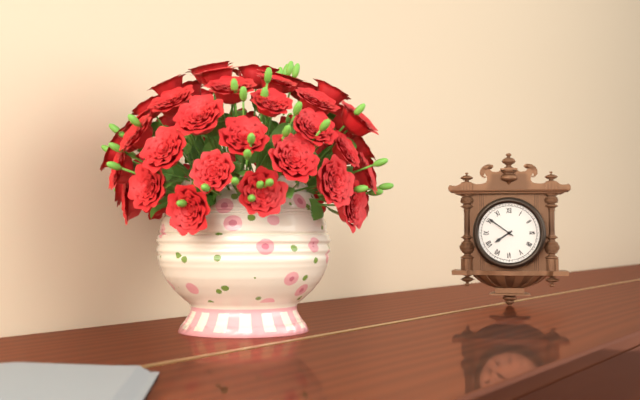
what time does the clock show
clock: 7:51
